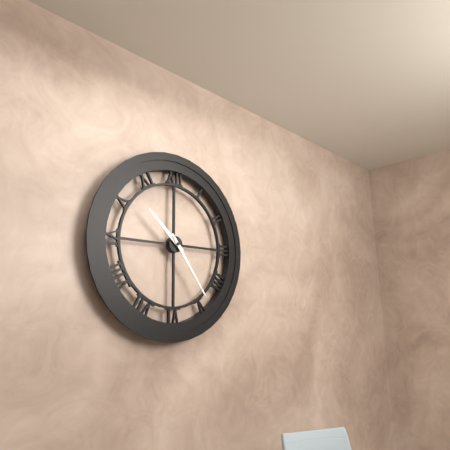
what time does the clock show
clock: 10:24
